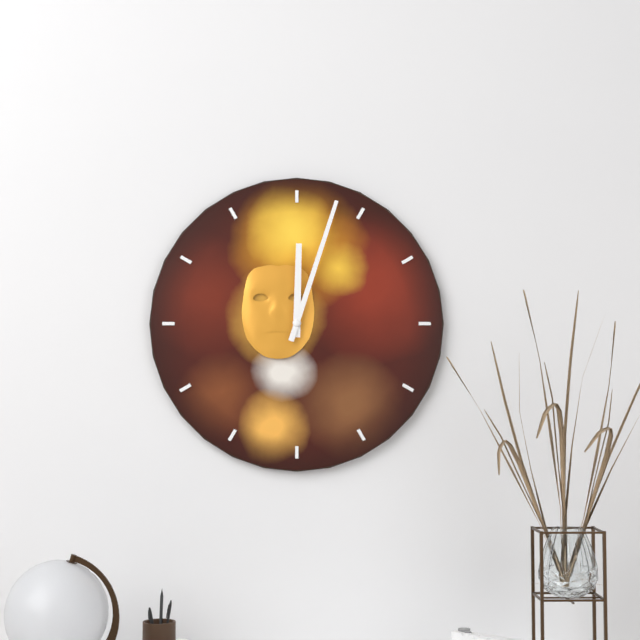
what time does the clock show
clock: 12:03
